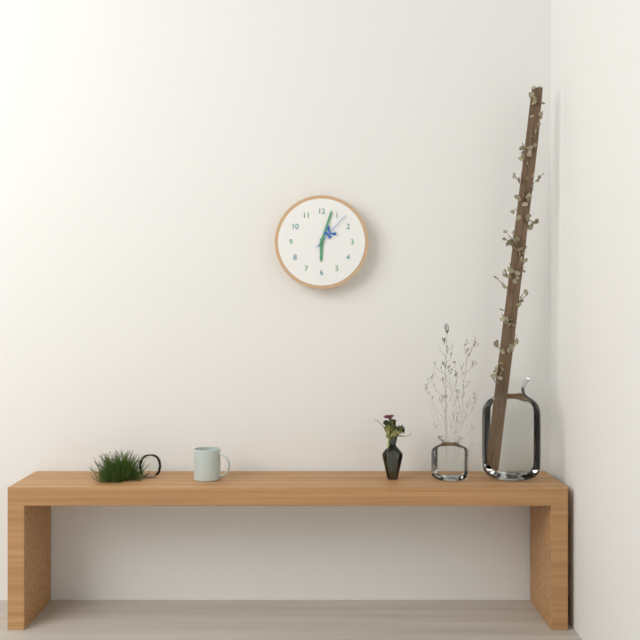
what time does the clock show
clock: 6:03
